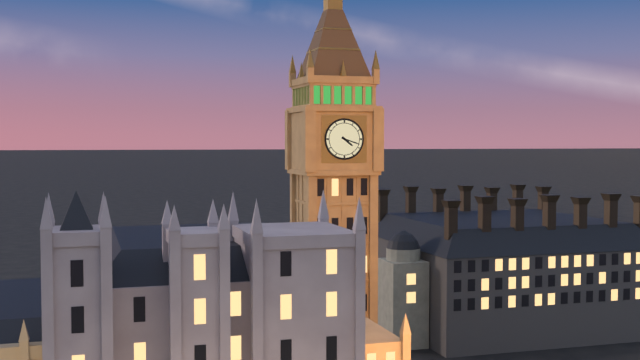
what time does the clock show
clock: 4:18
